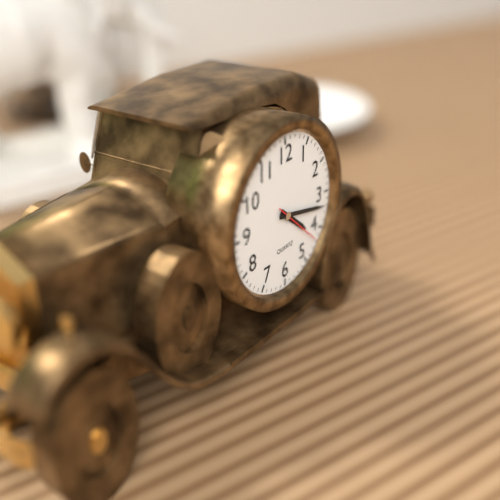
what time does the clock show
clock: 4:17:22
